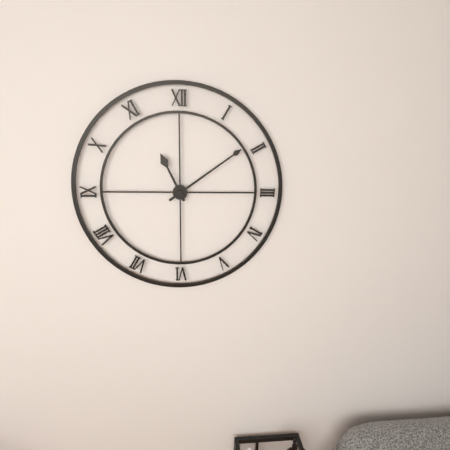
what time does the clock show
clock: 11:09
